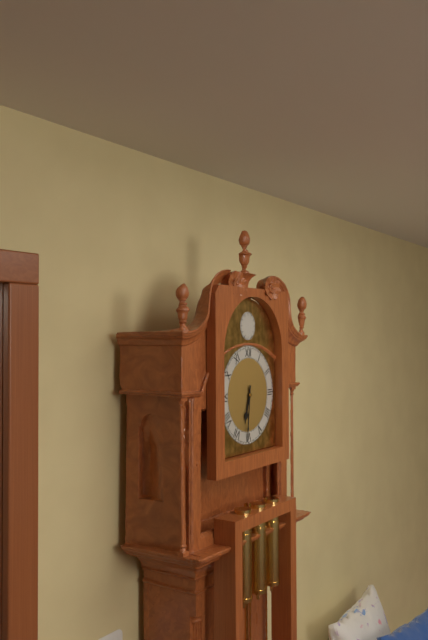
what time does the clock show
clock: 6:31
